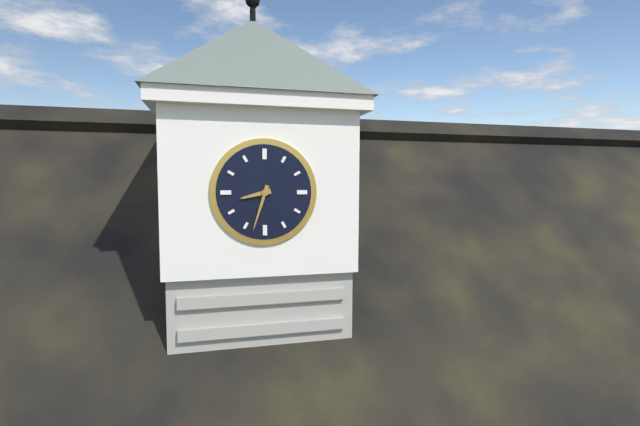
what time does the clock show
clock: 8:33
